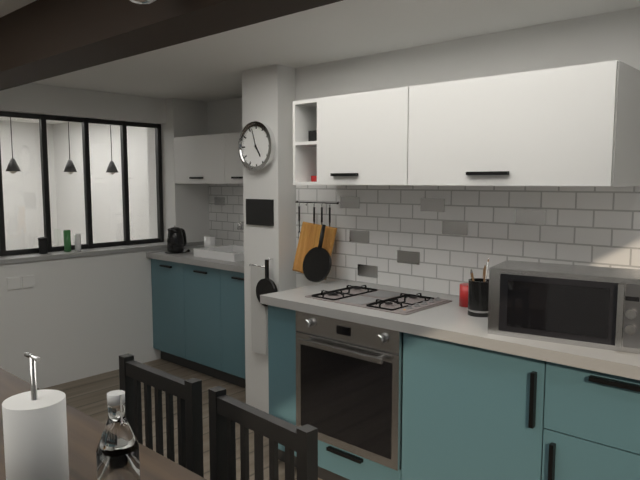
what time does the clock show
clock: 4:57
